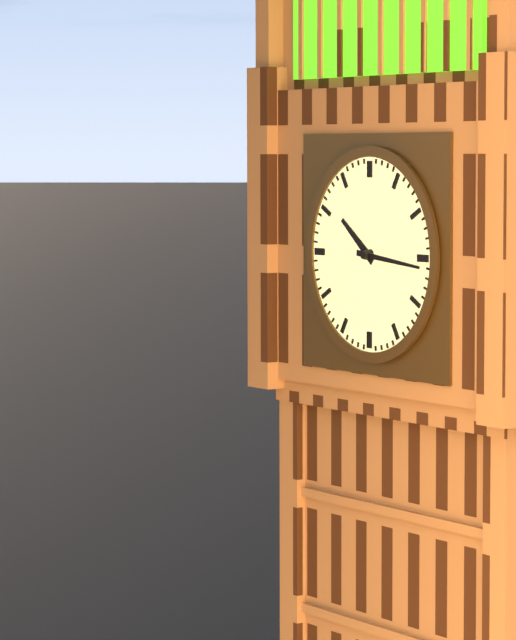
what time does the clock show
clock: 10:16
